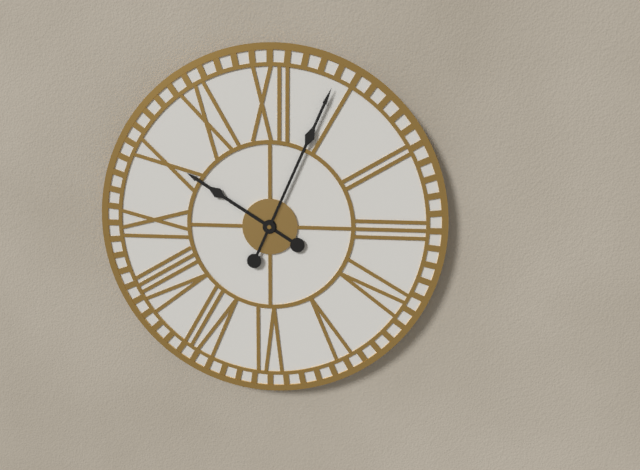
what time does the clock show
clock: 10:04
